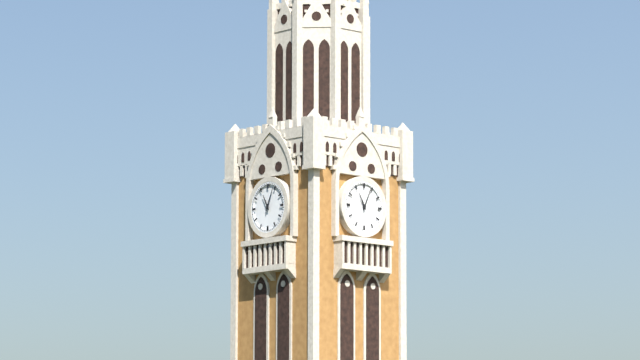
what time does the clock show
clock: 11:04
